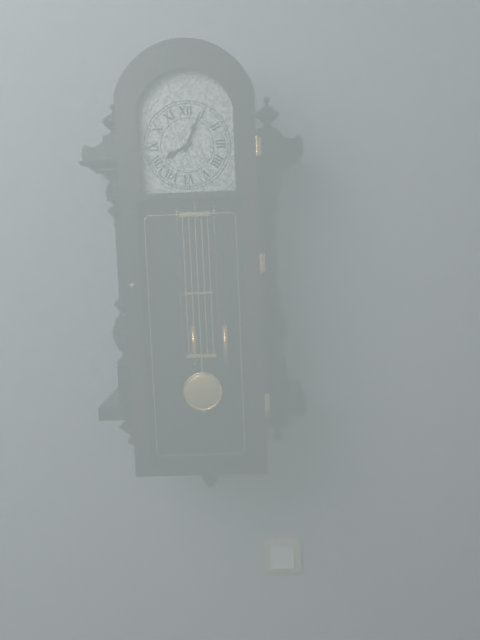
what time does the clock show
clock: 8:04
